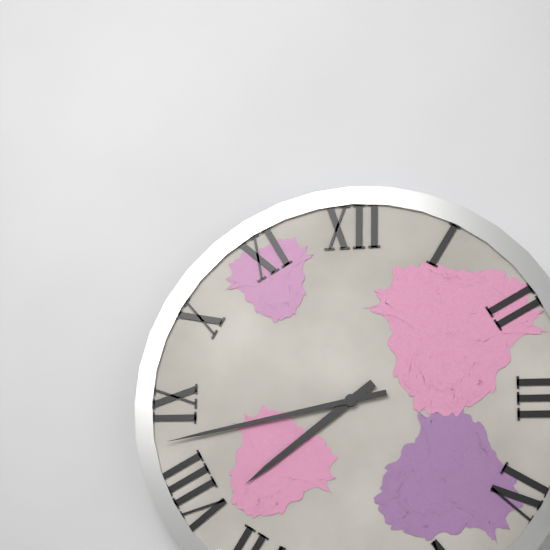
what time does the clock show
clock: 7:43
